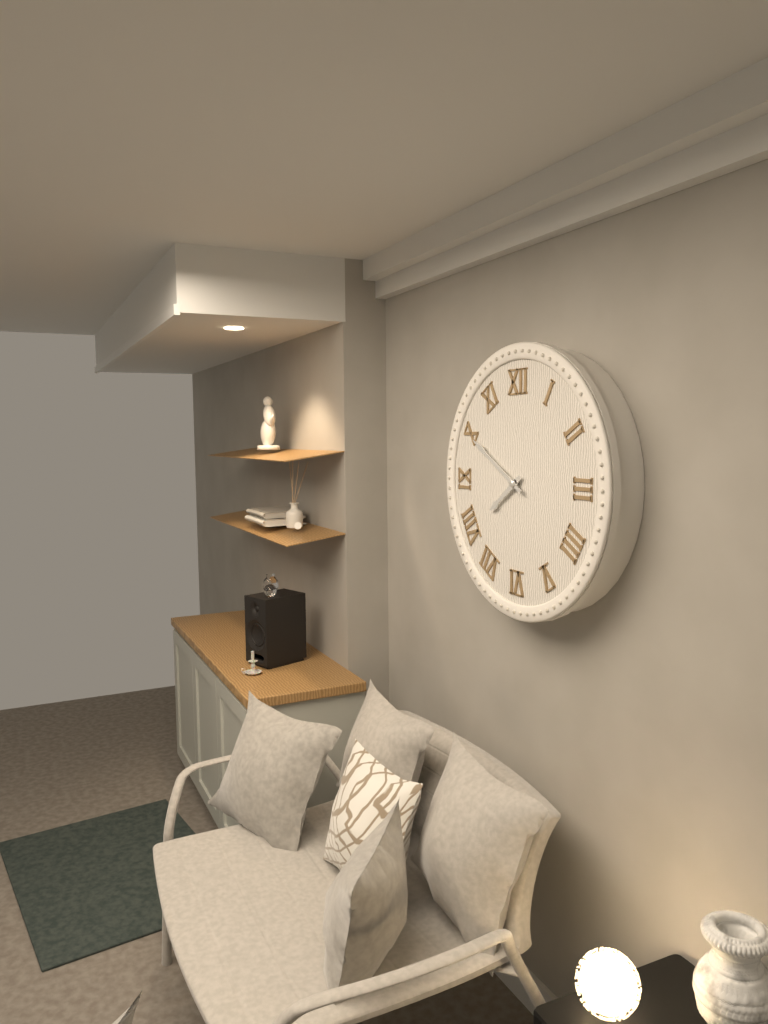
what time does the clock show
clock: 7:50
